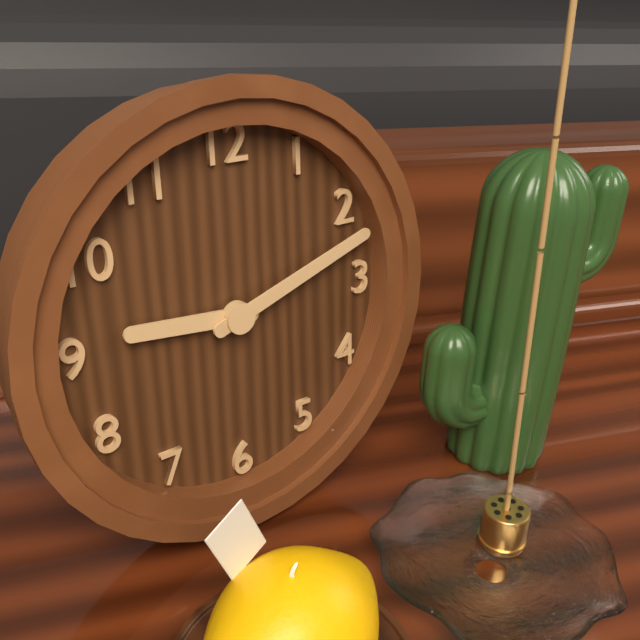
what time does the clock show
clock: 9:12
